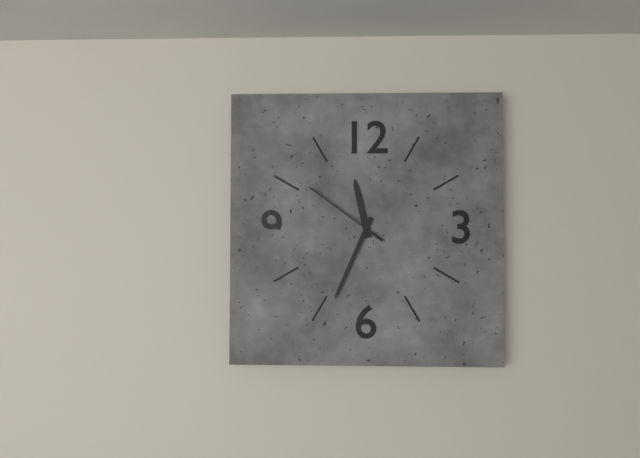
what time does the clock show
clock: 11:34:51
